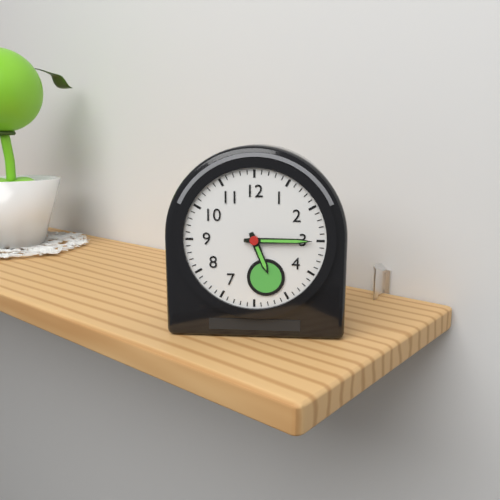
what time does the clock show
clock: 5:15
